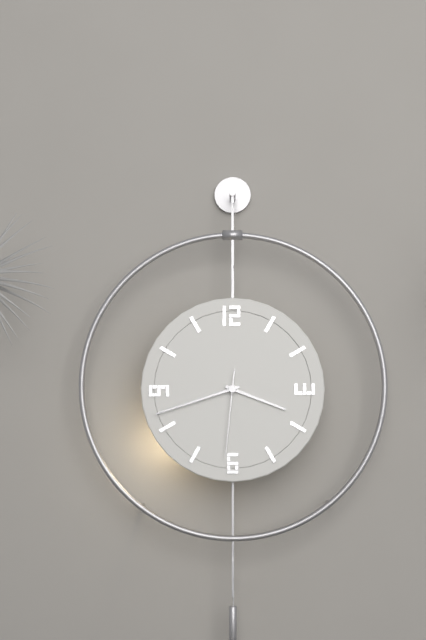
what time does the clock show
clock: 3:42:31
